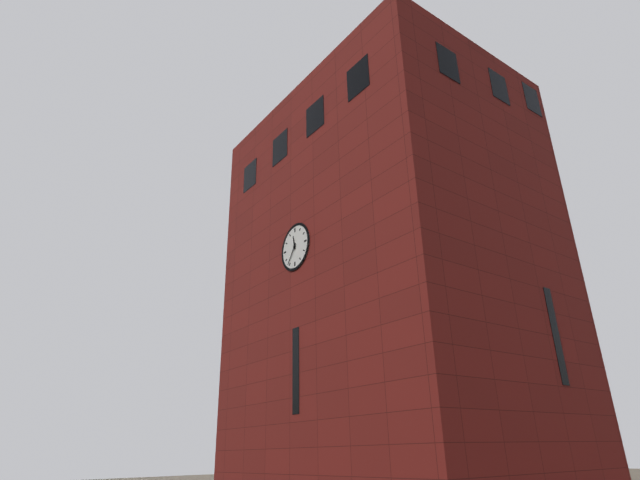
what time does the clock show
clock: 11:36
